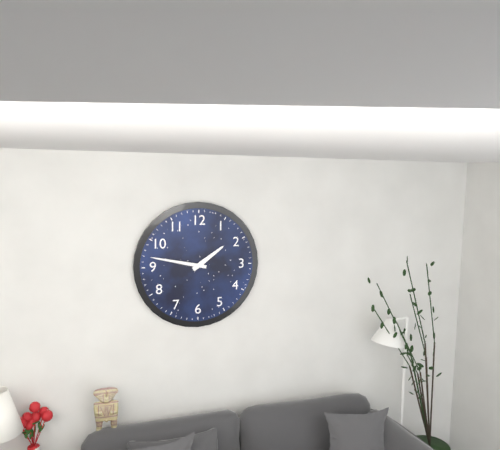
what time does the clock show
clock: 1:47
